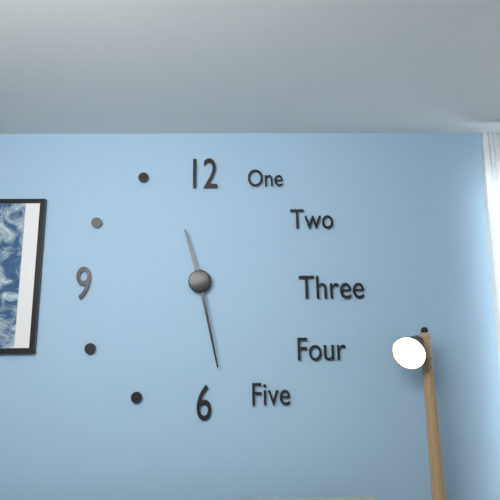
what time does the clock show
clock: 11:28
